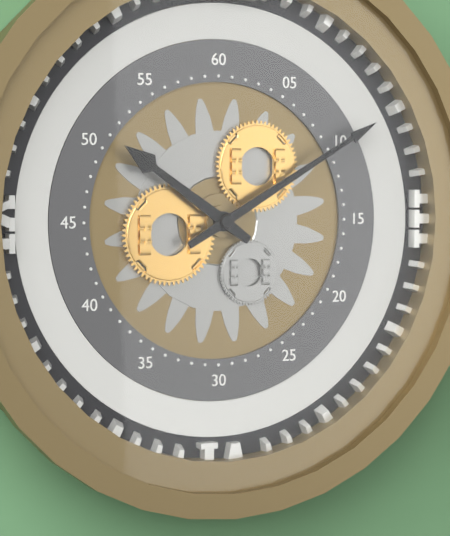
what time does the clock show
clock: 10:10
